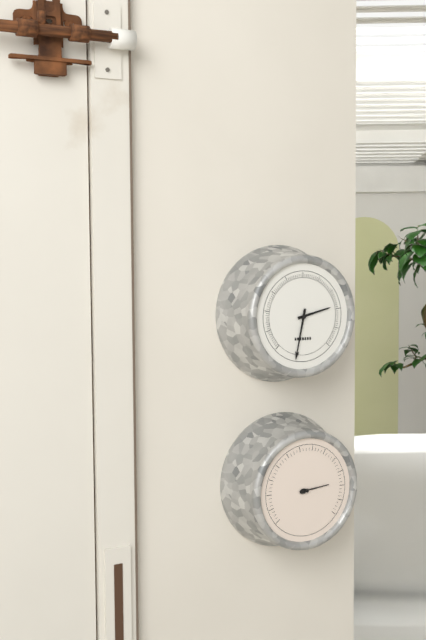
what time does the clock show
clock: 2:32
